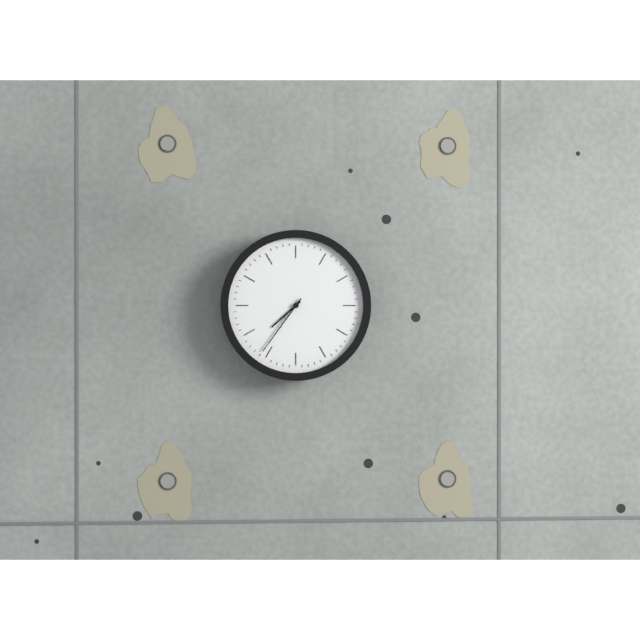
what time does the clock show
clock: 7:36
